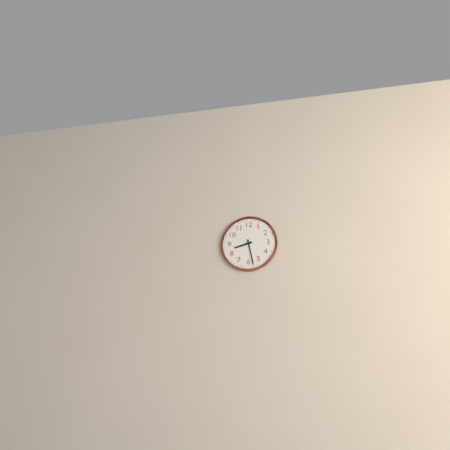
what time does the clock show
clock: 8:28
